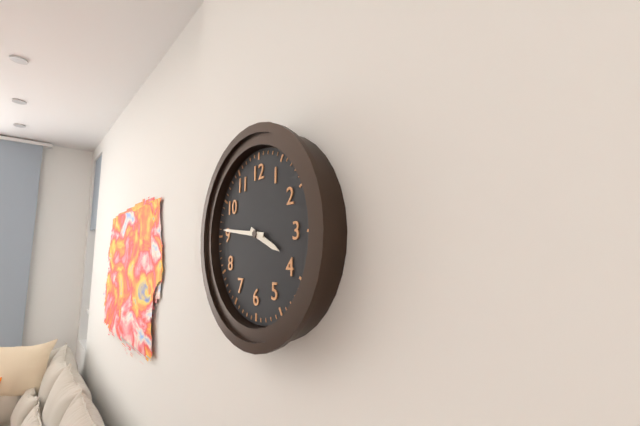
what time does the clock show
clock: 3:46
